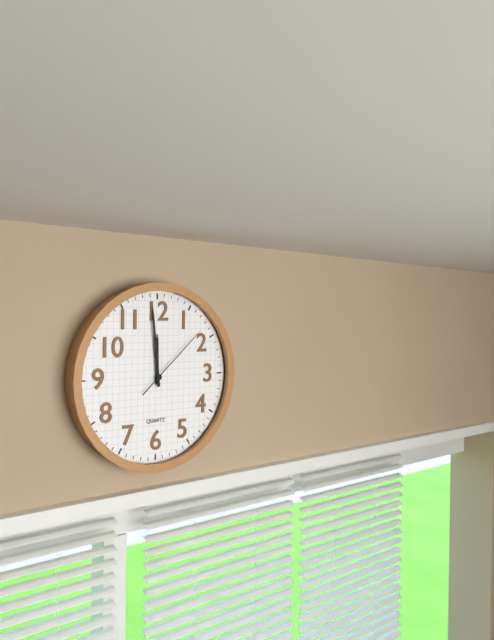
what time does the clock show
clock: 11:59:08
